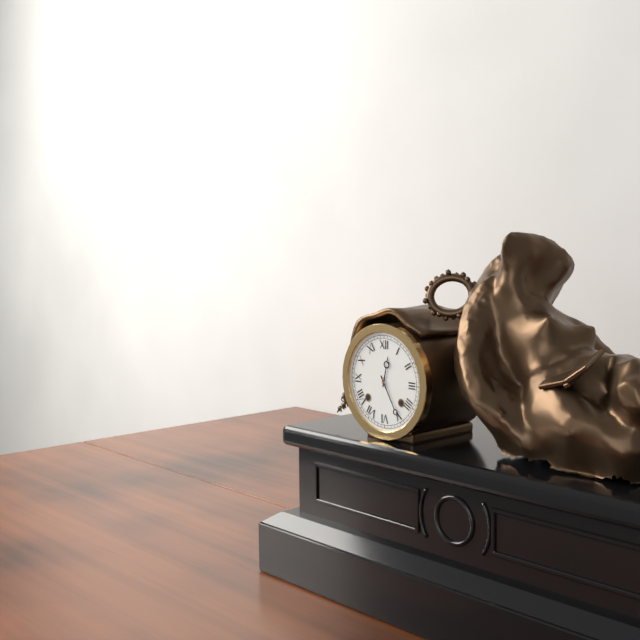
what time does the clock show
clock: 12:25
